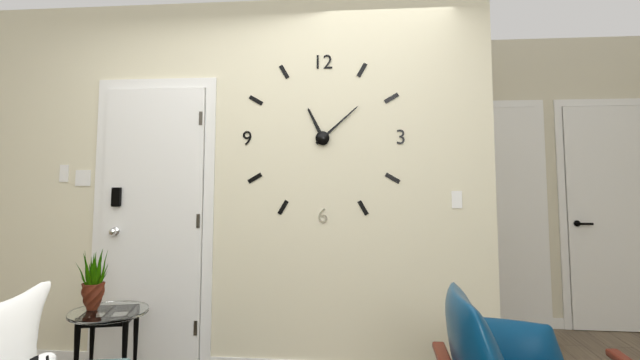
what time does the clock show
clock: 11:08
